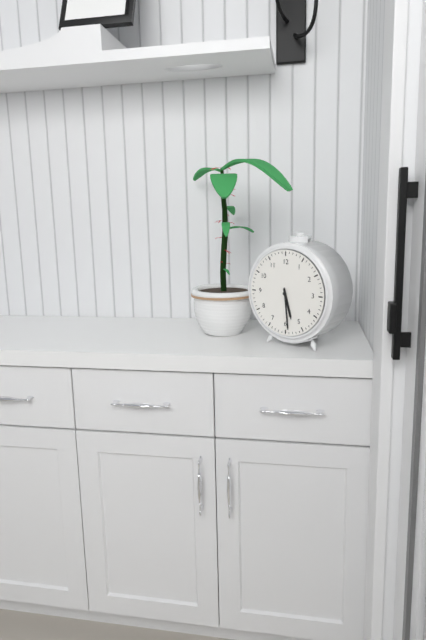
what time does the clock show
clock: 5:29
